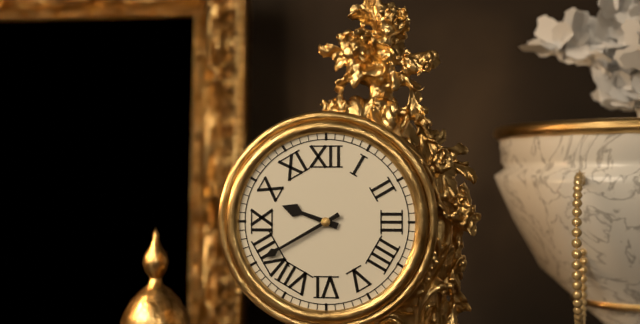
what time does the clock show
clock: 9:40
